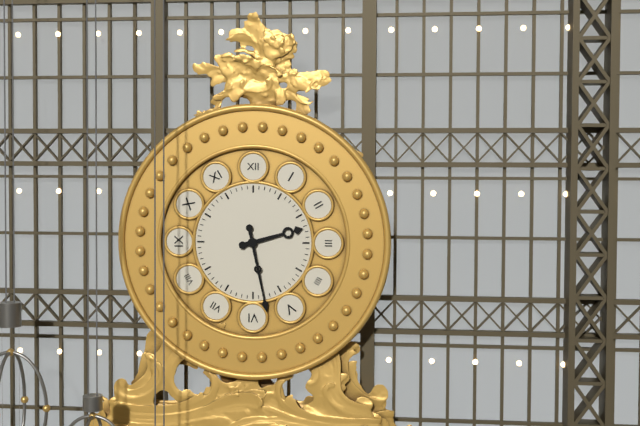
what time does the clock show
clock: 2:28
